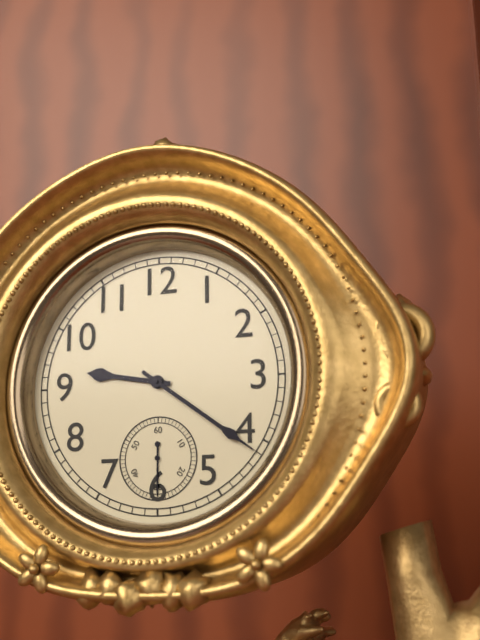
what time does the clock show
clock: 9:21
